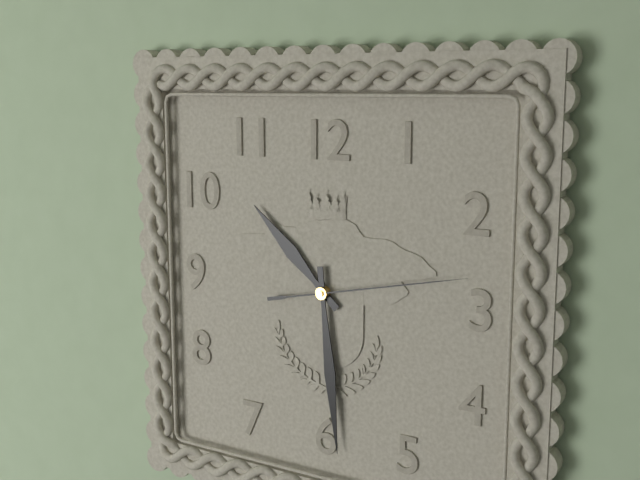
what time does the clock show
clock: 10:29:13
